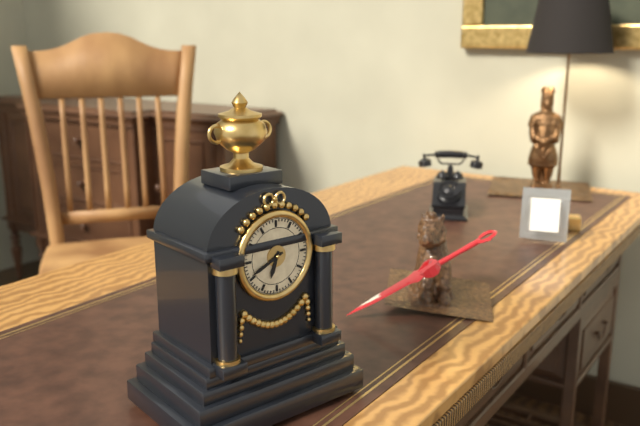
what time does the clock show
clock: 6:41
